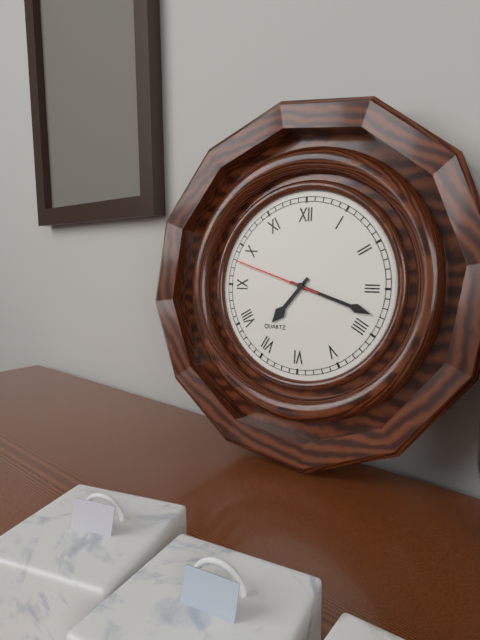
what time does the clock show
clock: 7:18:48
